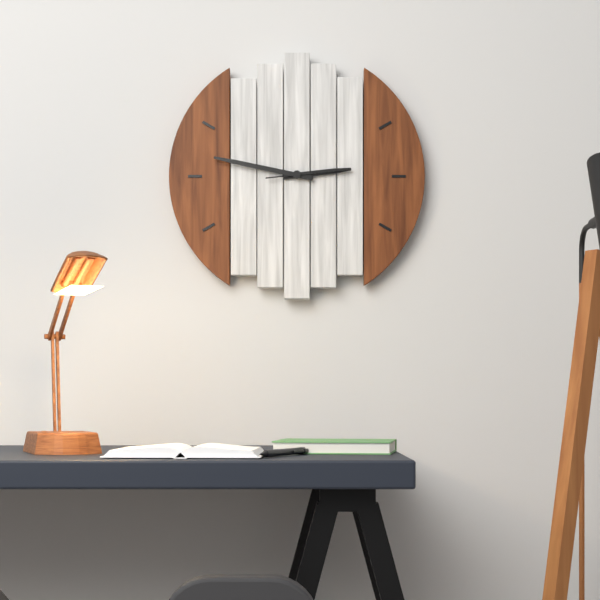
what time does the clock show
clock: 2:47:14
